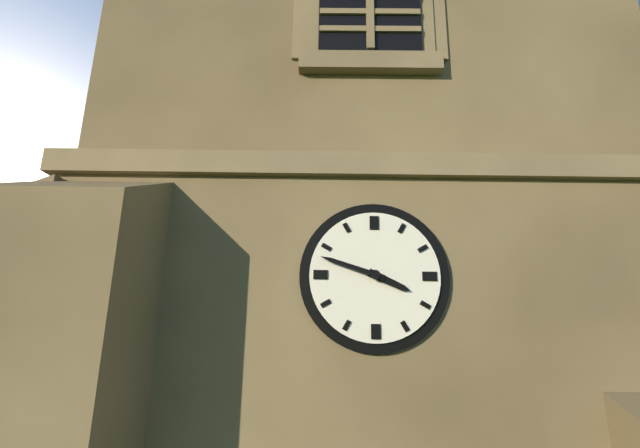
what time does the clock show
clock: 3:48
